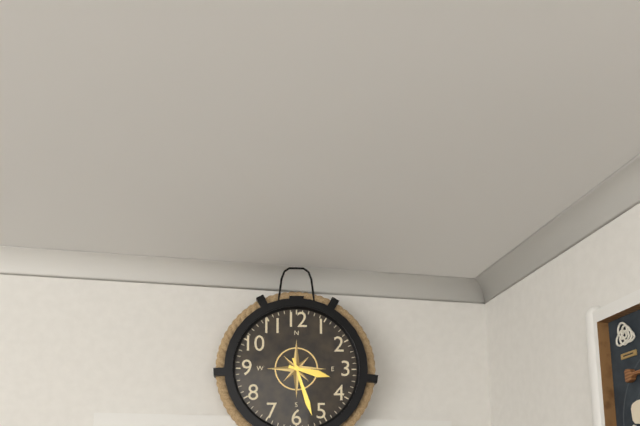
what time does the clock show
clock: 3:27
